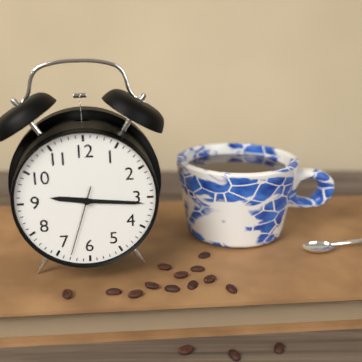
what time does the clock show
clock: 9:16:33
